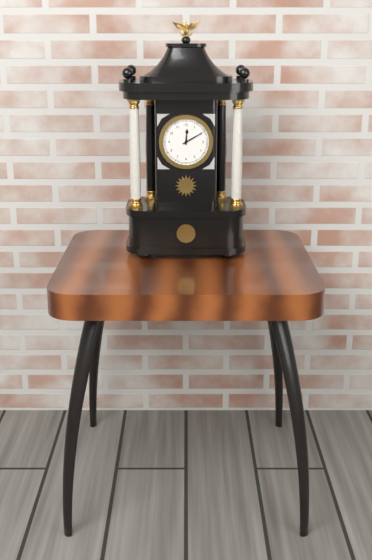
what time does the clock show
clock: 12:10
